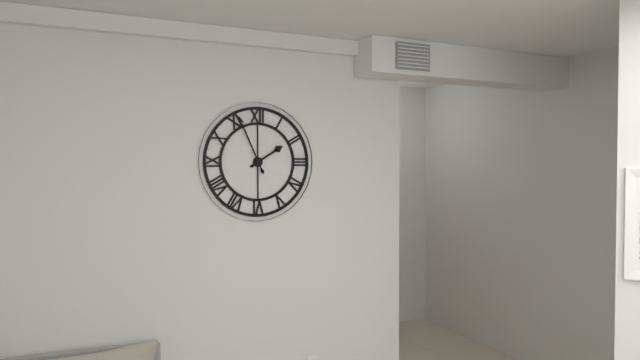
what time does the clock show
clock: 1:56
